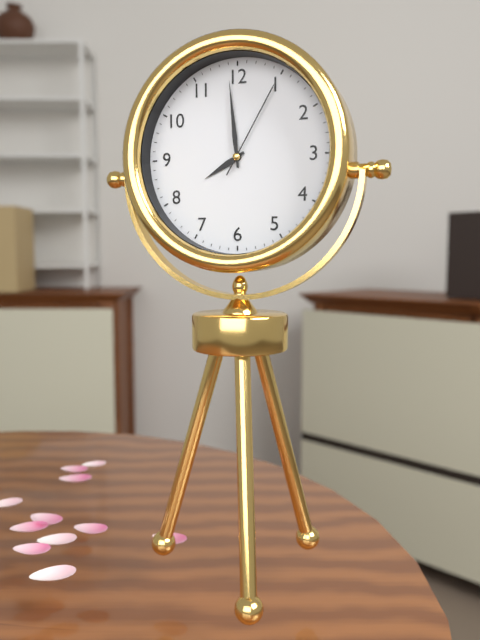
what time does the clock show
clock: 7:59:05
